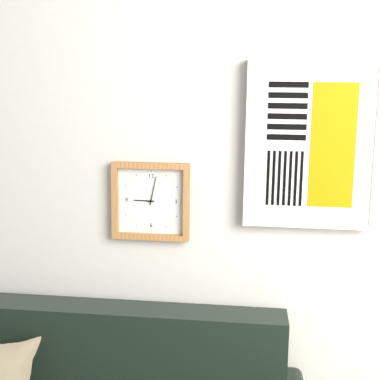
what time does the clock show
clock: 9:02
